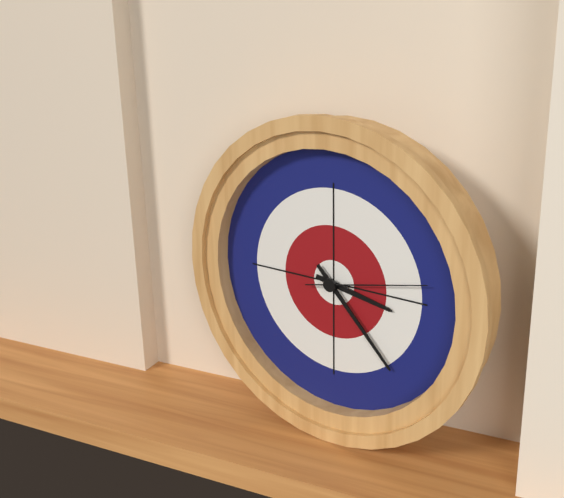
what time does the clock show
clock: 3:23:13
